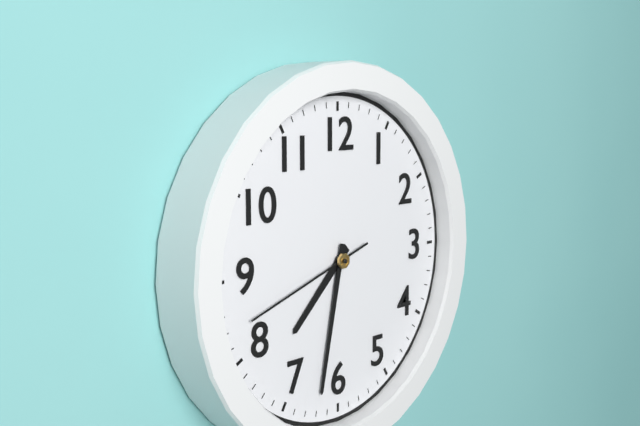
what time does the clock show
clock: 7:32:42
